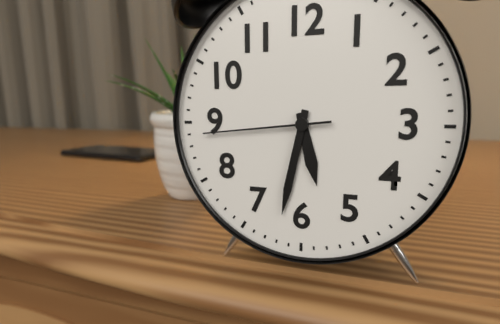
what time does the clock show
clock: 5:32:44
